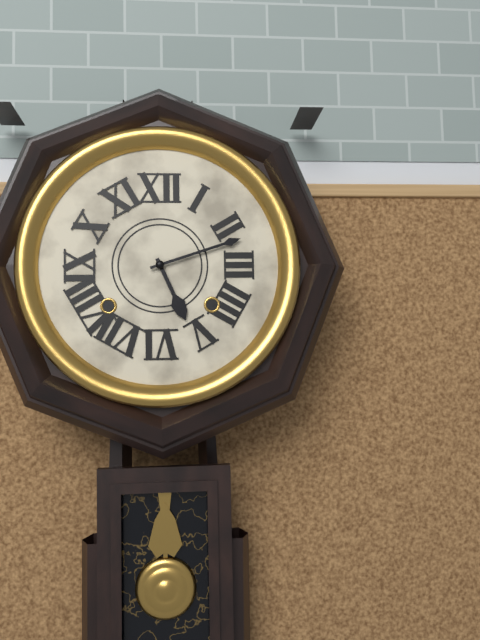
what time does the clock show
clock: 5:12
